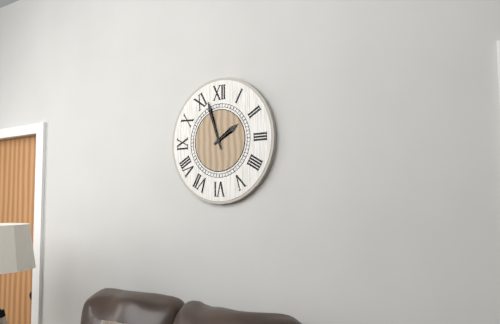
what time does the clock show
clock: 1:57
